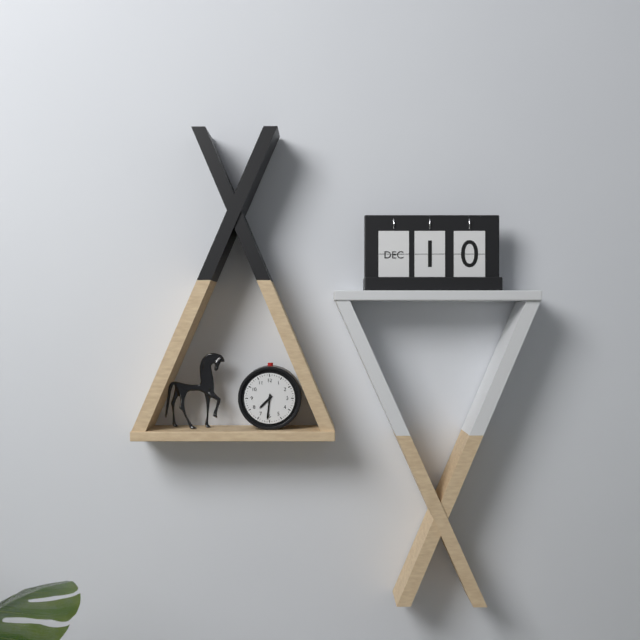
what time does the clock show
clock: 7:31
